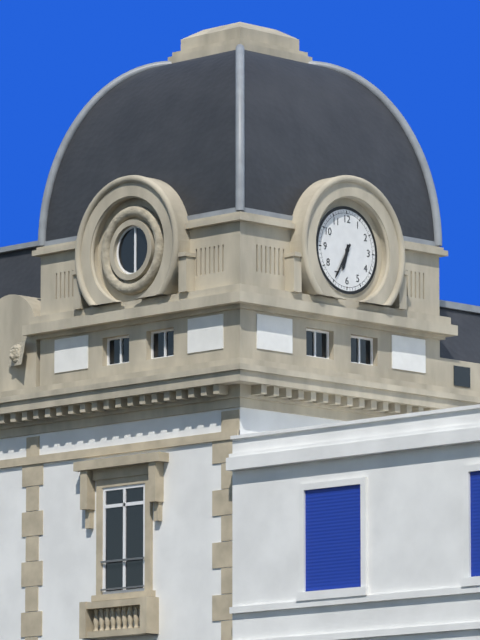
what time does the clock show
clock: 6:35
